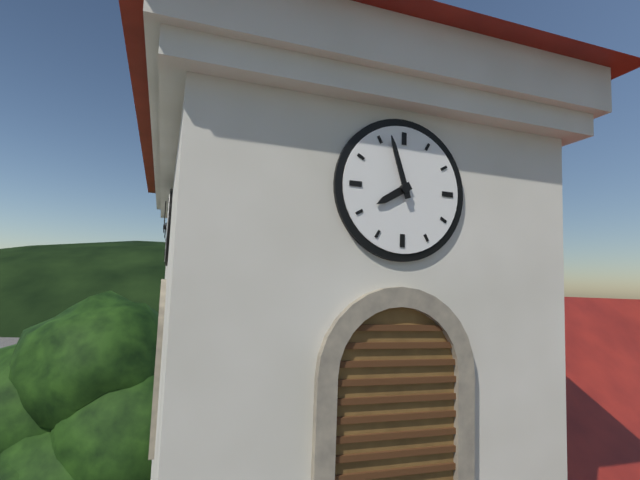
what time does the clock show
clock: 7:57
